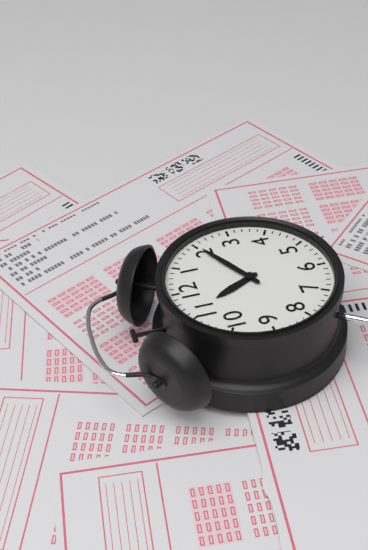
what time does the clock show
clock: 11:10
